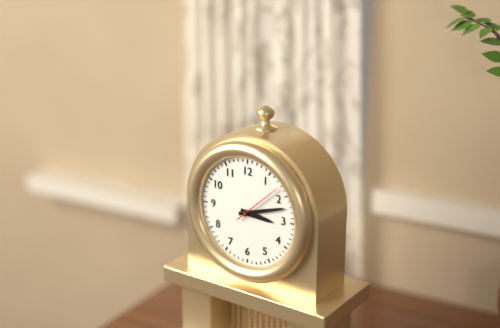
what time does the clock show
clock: 3:12:08
